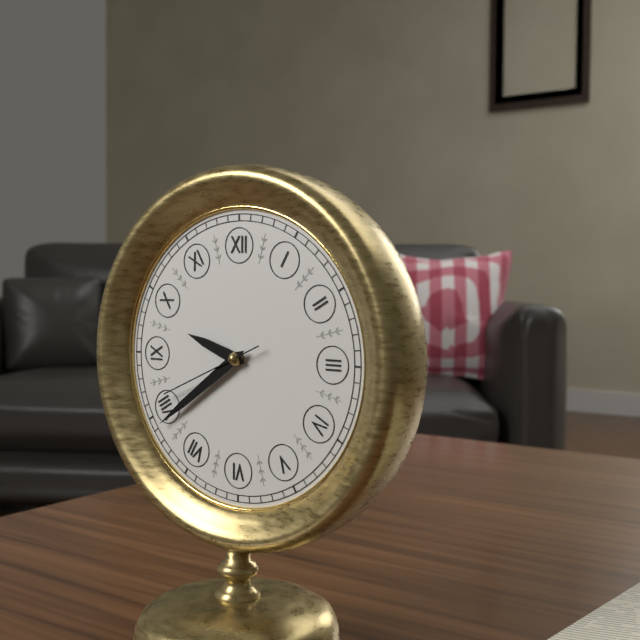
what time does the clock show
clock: 9:39:41
